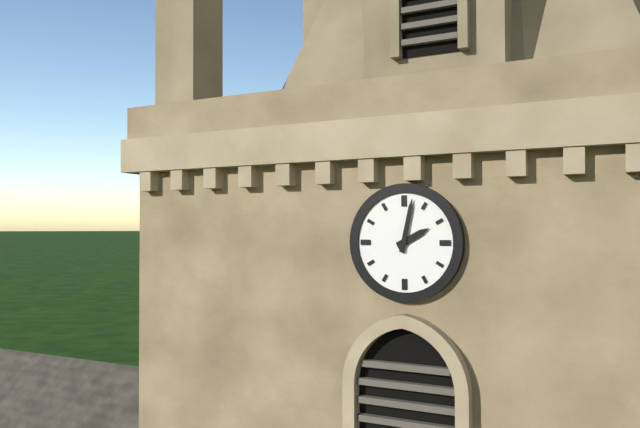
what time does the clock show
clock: 2:02
